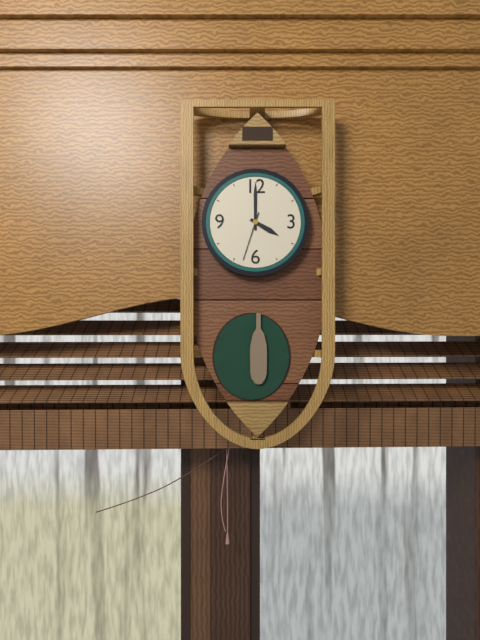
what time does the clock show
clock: 4:00
